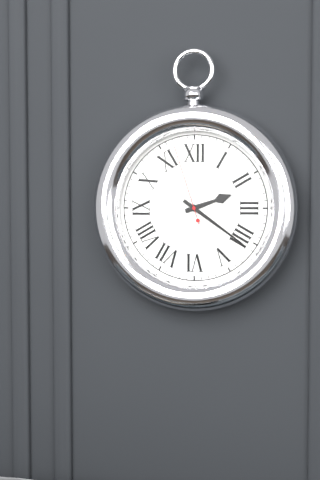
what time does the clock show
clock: 2:21:57
